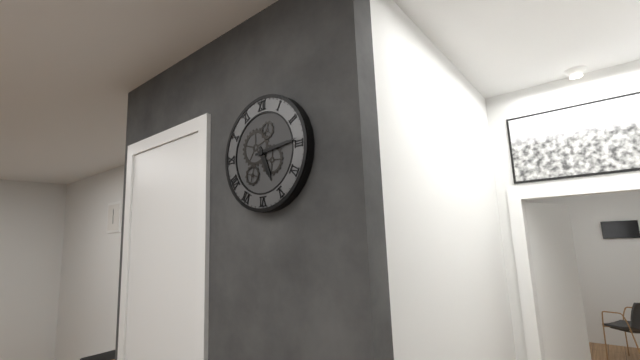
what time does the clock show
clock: 5:14
